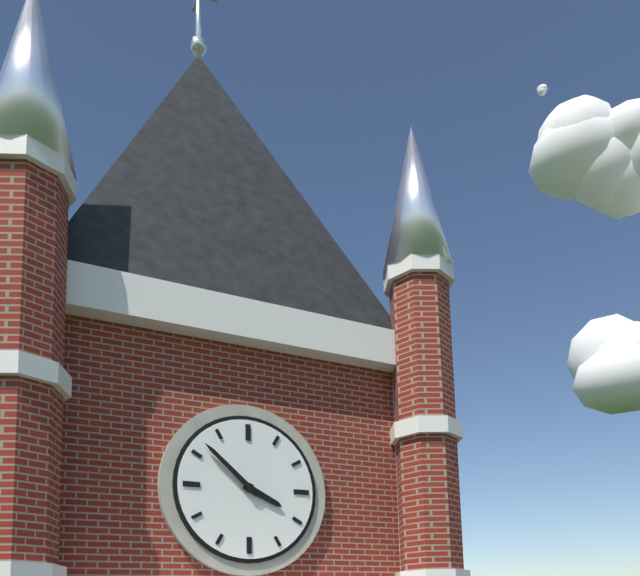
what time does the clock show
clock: 3:52
